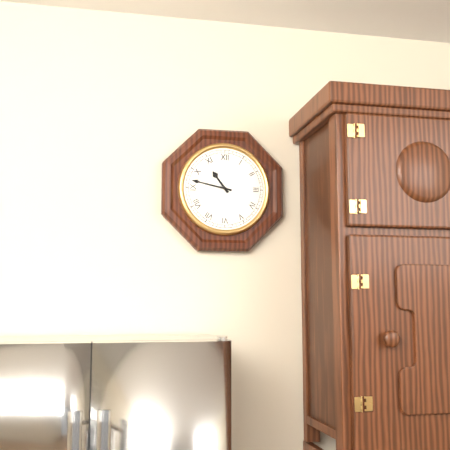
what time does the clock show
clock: 10:47
